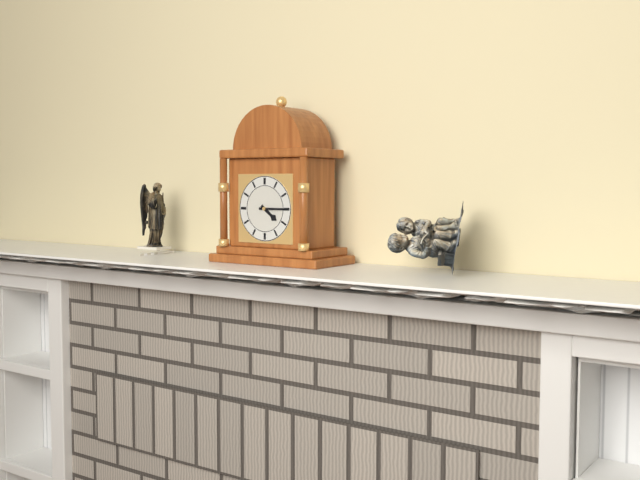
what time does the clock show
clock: 4:15
